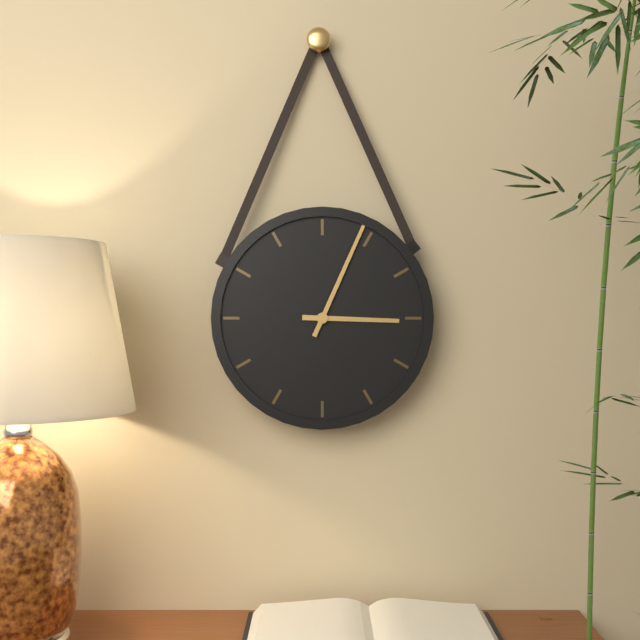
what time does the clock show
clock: 3:04
